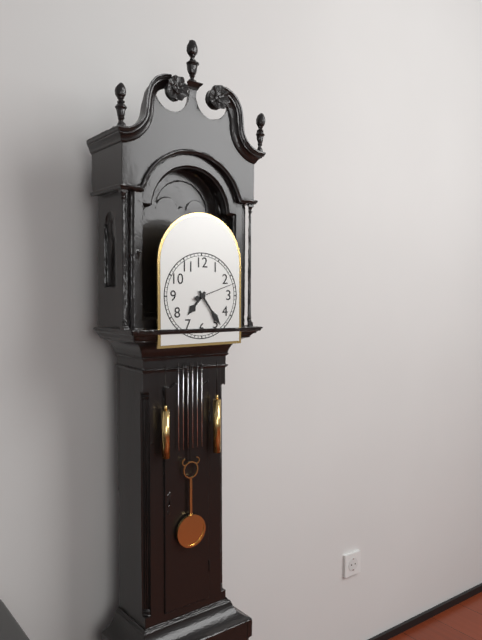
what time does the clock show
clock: 7:24
